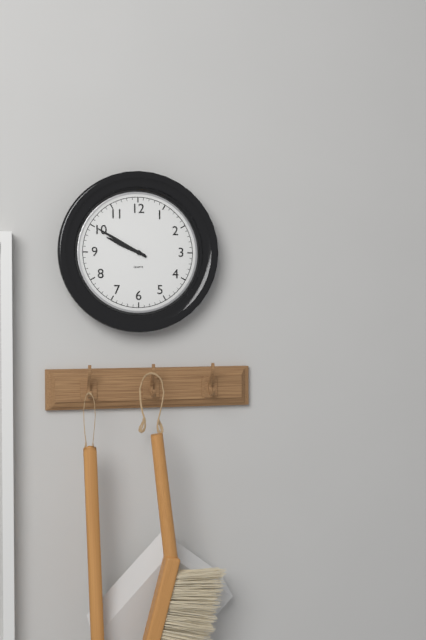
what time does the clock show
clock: 9:50
